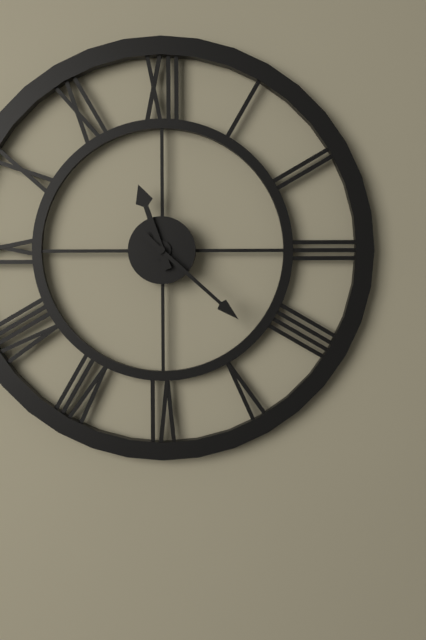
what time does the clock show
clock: 11:22
